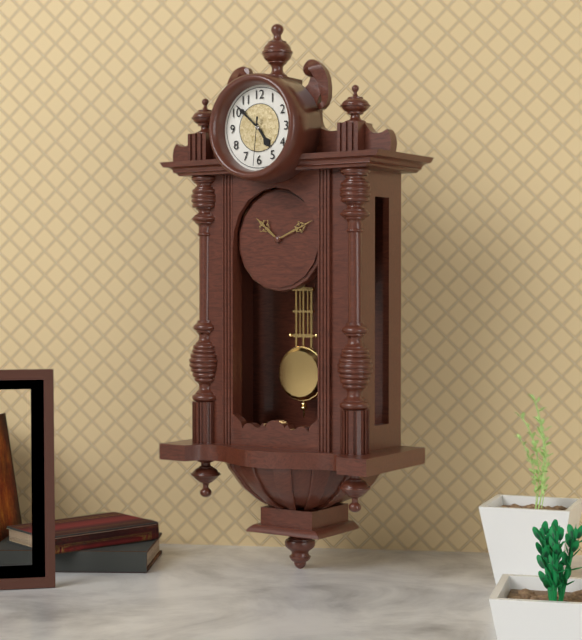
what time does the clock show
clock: 4:52
